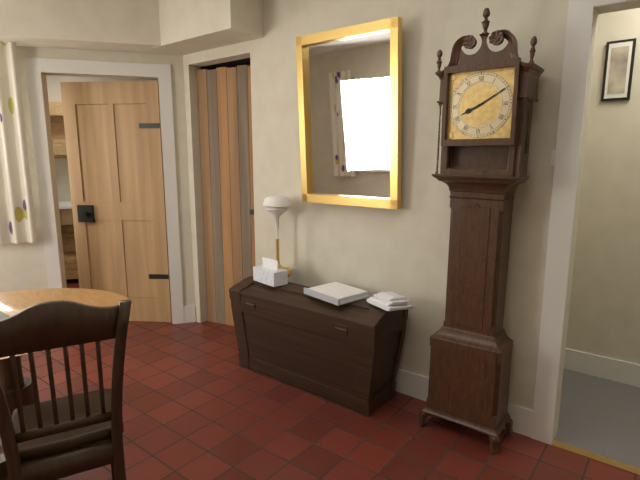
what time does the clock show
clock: 8:10
